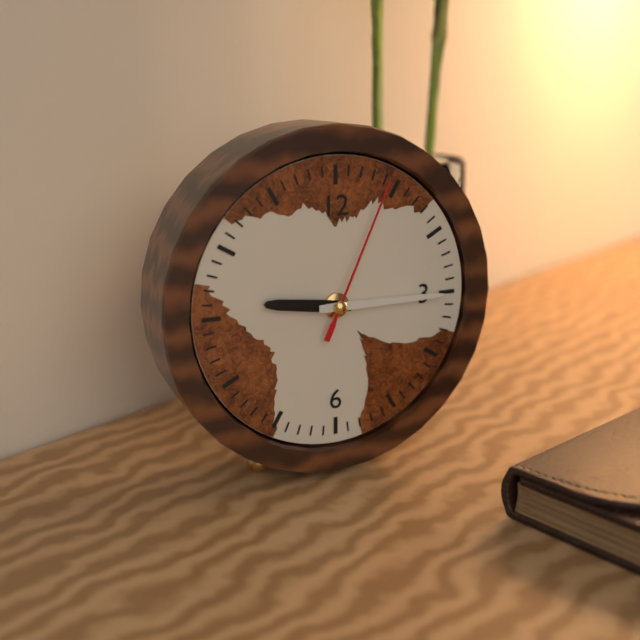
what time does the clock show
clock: 9:15:04
